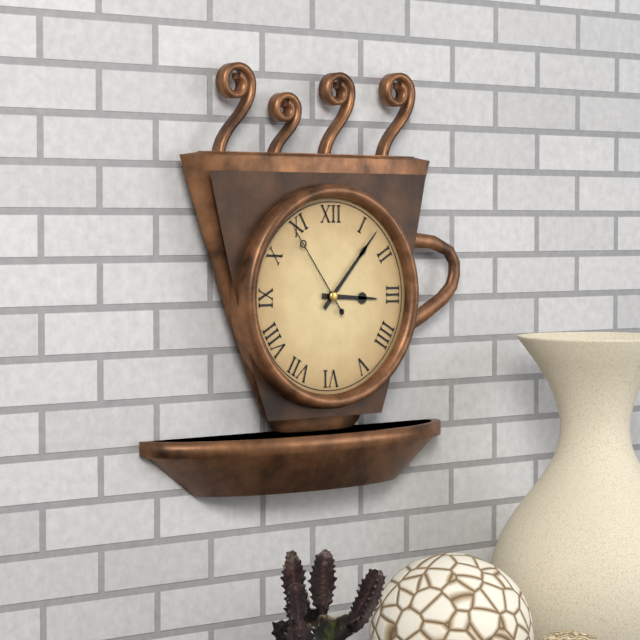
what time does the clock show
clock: 3:07:54
